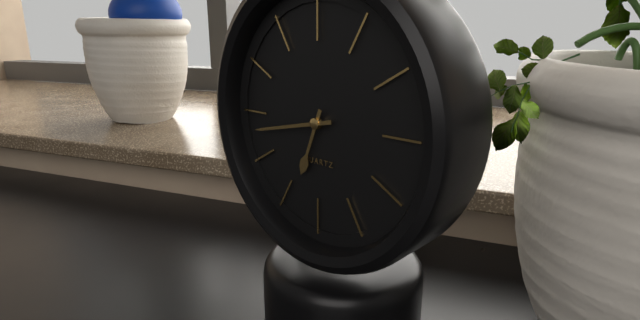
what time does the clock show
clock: 6:43
